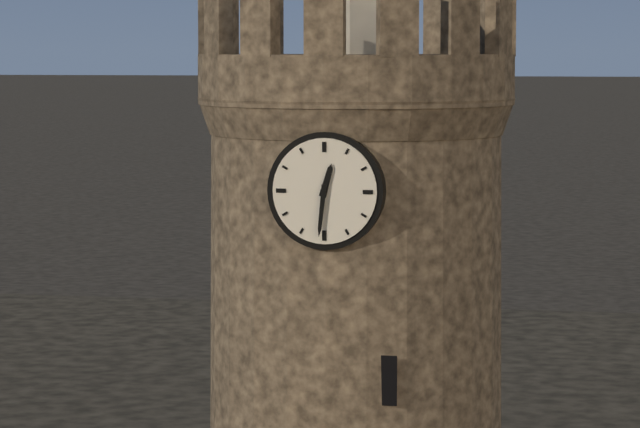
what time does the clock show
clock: 12:31
